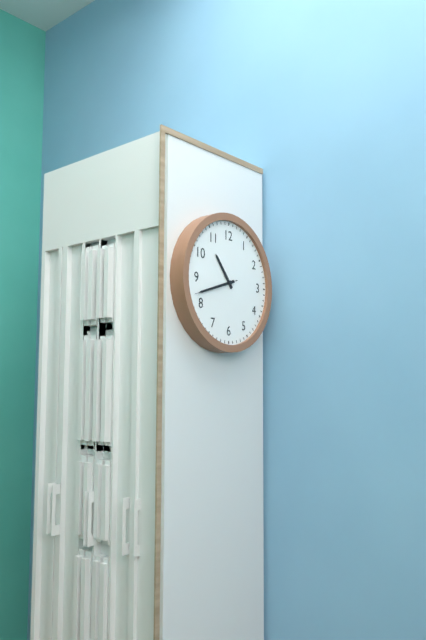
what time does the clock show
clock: 10:42
